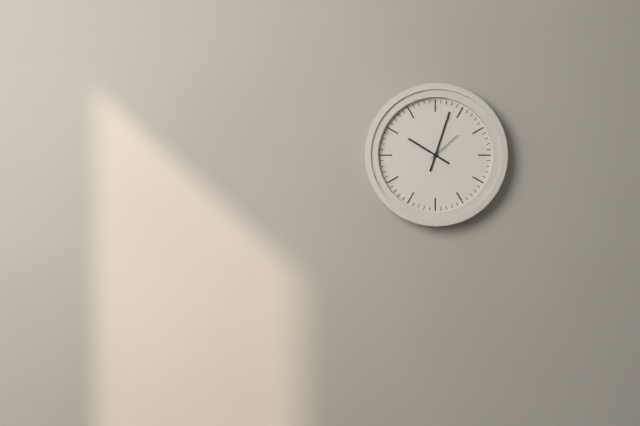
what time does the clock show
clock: 10:03
